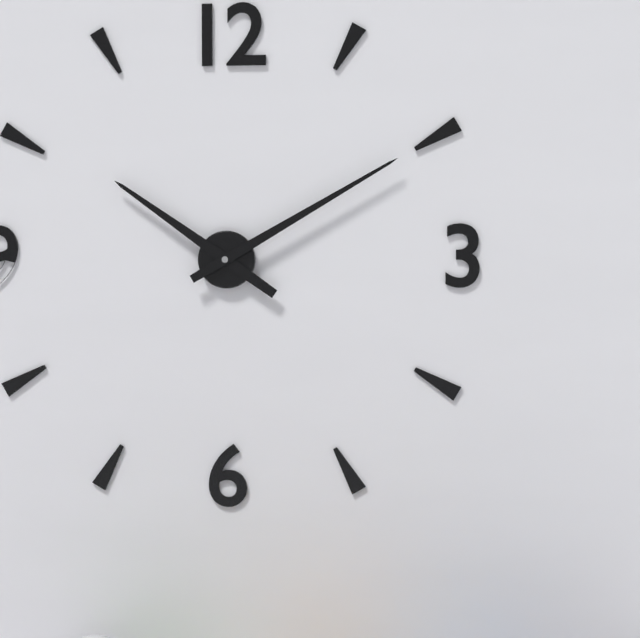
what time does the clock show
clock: 10:10
